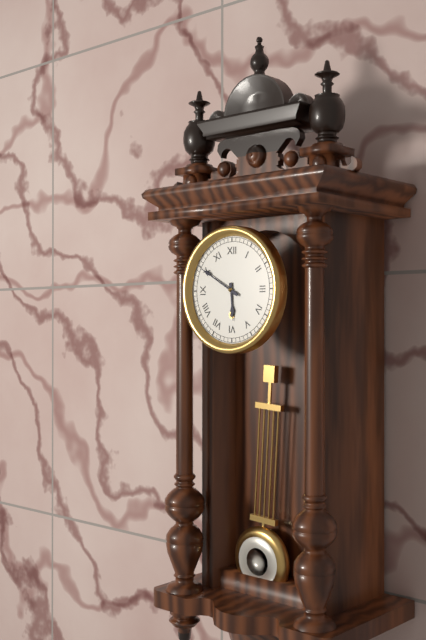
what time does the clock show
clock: 5:50
